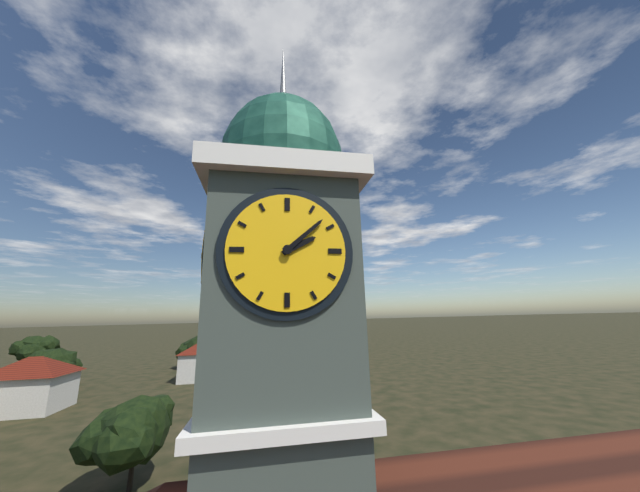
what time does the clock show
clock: 2:08
